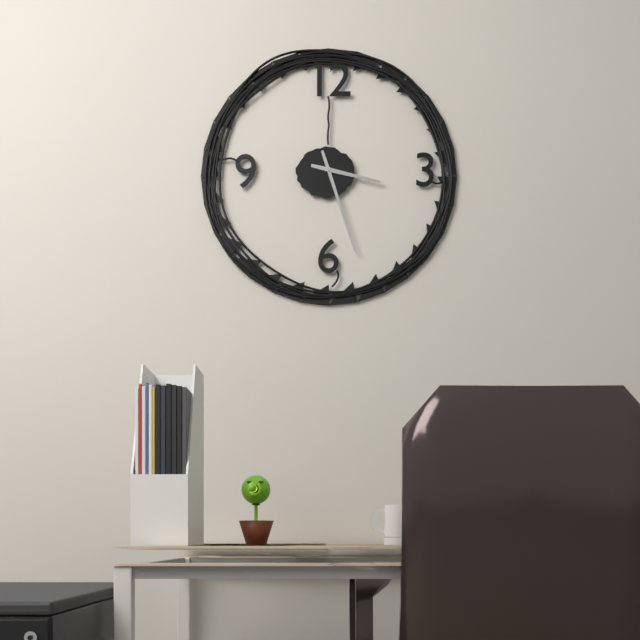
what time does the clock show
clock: 3:27
